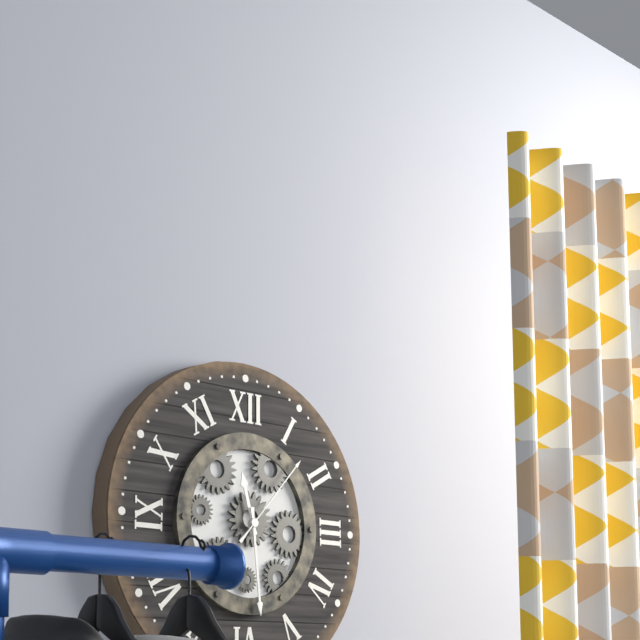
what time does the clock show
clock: 11:29:07
